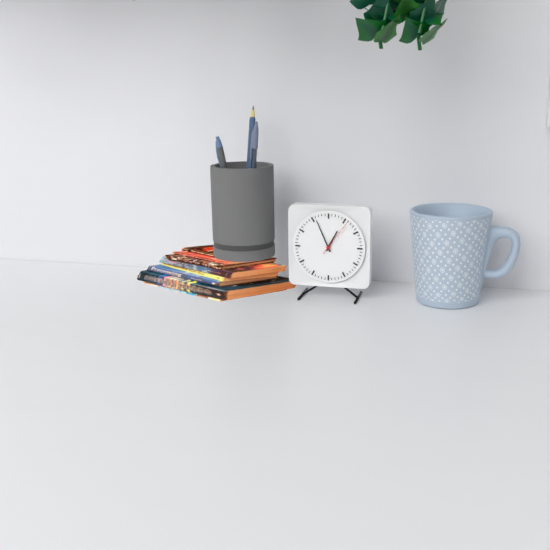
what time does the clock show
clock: 12:56
